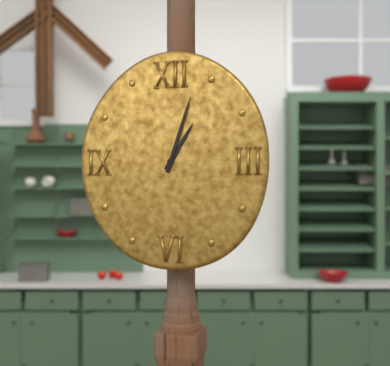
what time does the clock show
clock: 1:03
